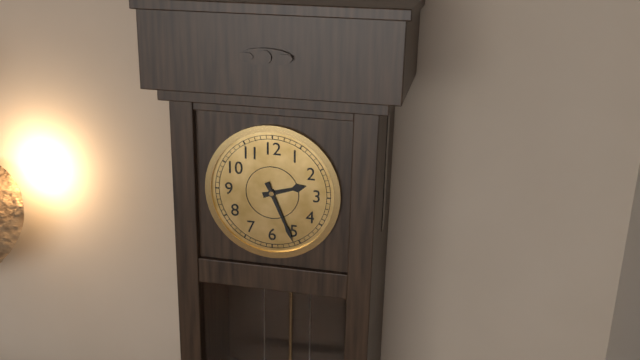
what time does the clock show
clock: 2:26
